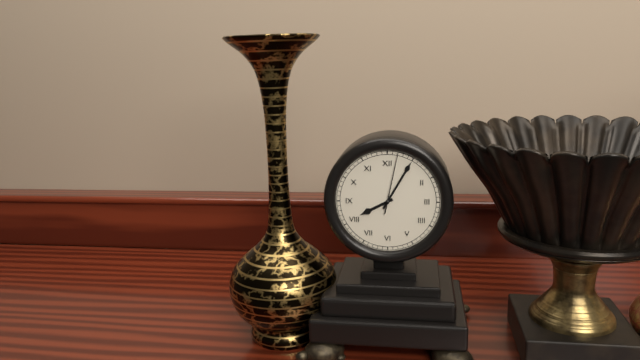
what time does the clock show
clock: 8:05:02
